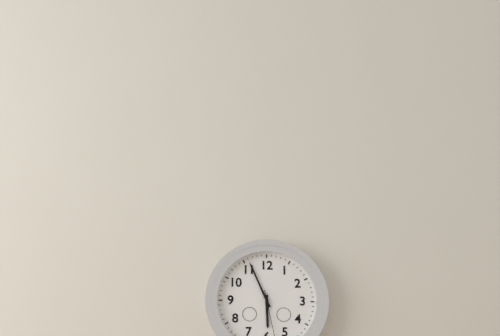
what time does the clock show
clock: 5:56
